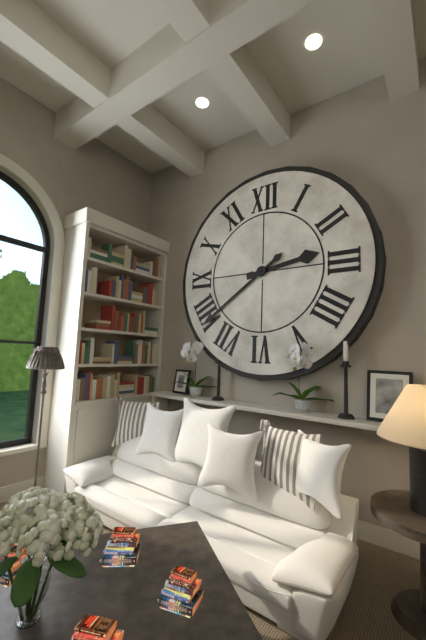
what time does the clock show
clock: 2:39
